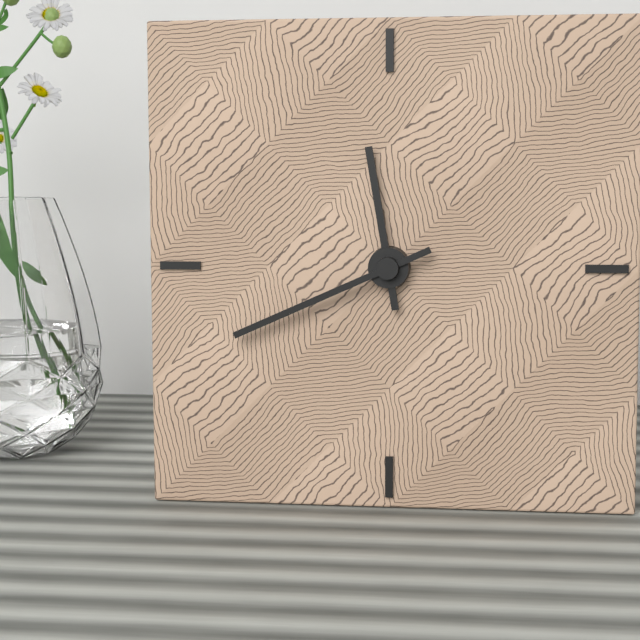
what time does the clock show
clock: 11:41
